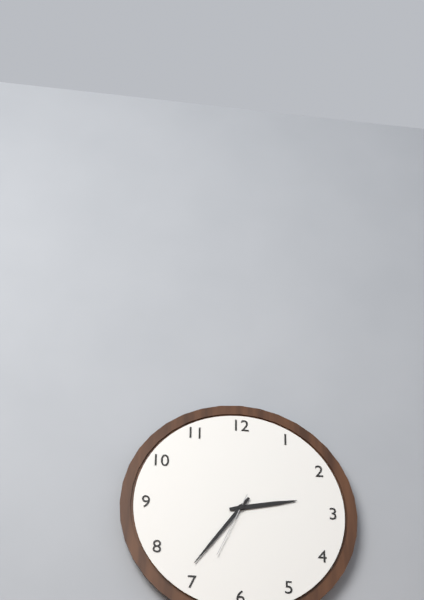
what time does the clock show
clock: 2:36:34
